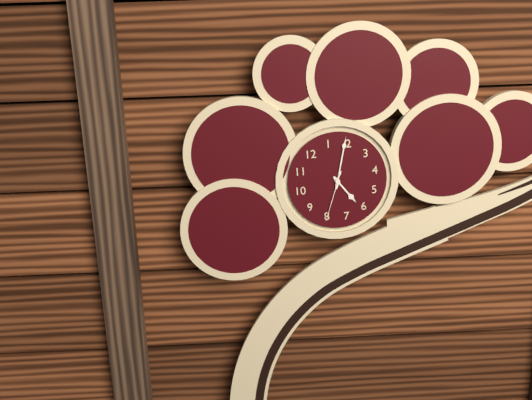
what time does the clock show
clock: 6:09:40
